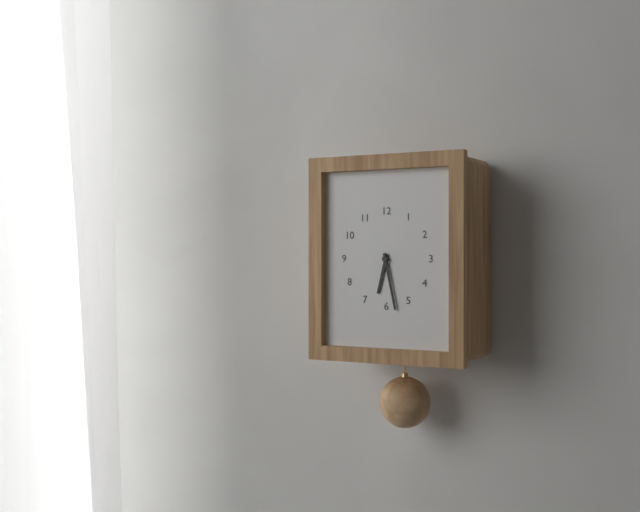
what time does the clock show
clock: 6:28
